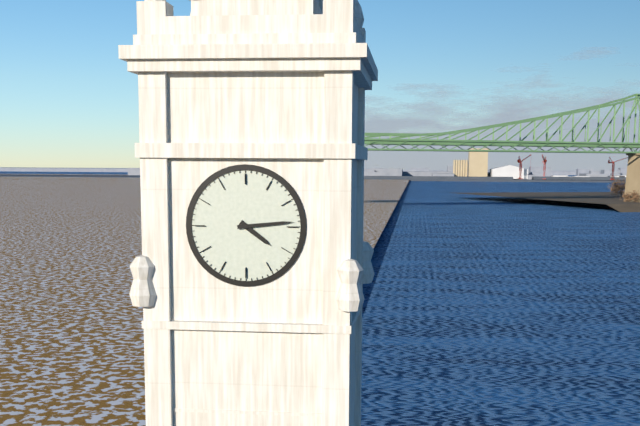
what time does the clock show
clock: 4:14
